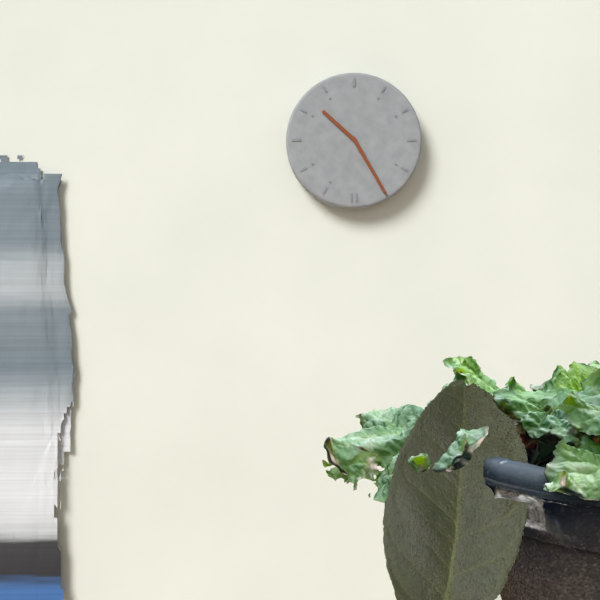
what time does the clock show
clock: 10:25
